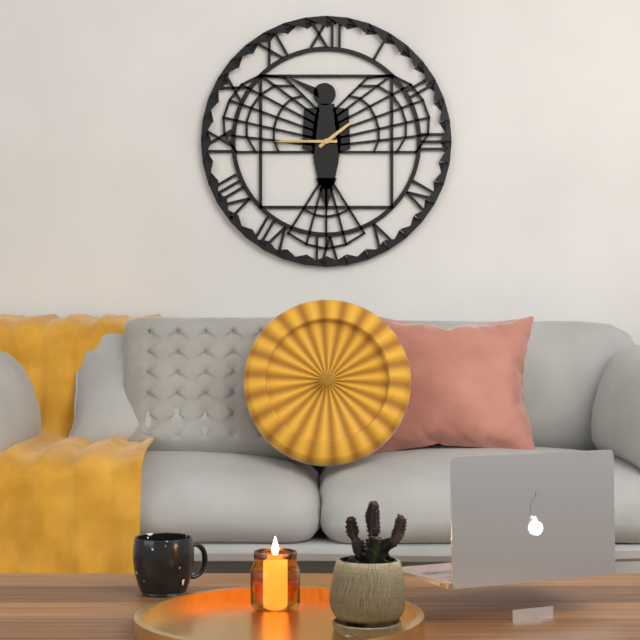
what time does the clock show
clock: 1:45
